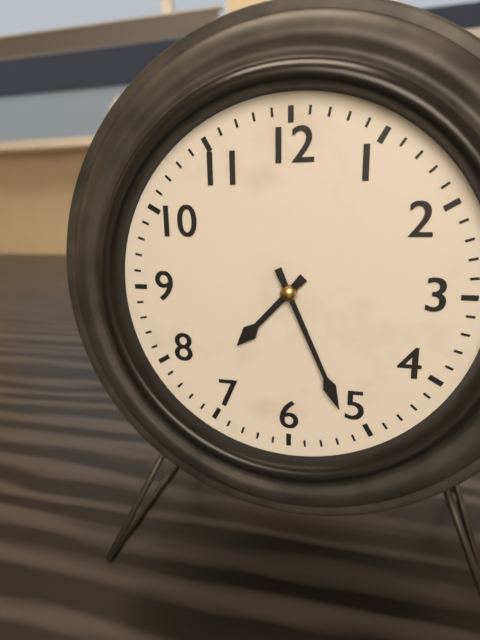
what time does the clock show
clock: 7:26
